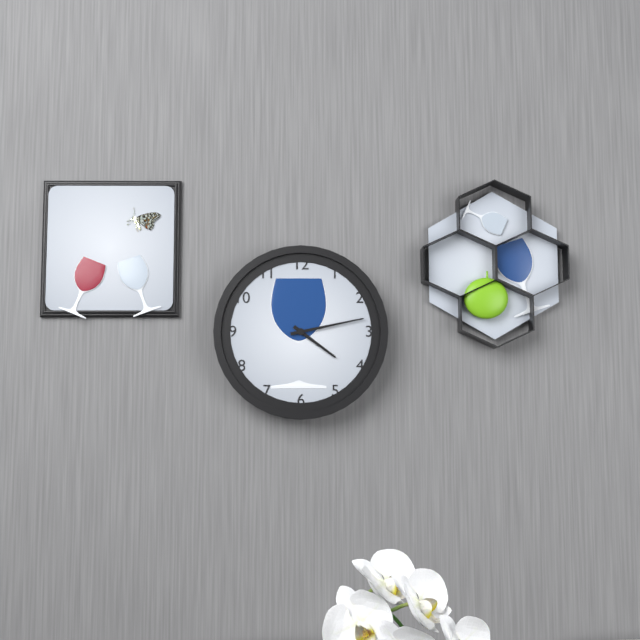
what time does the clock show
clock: 4:13
